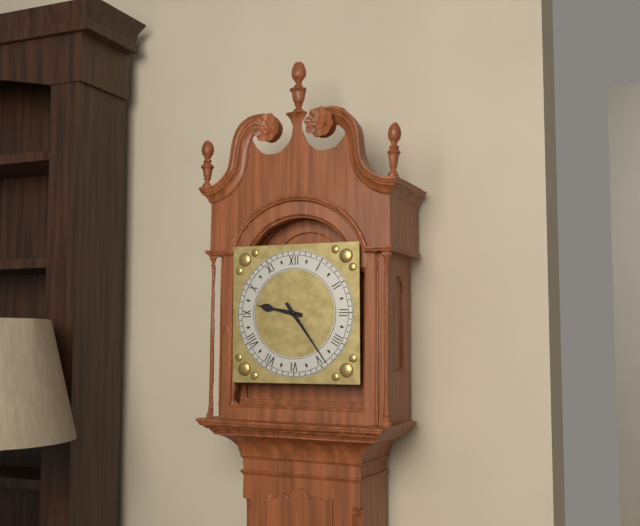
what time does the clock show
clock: 9:24
